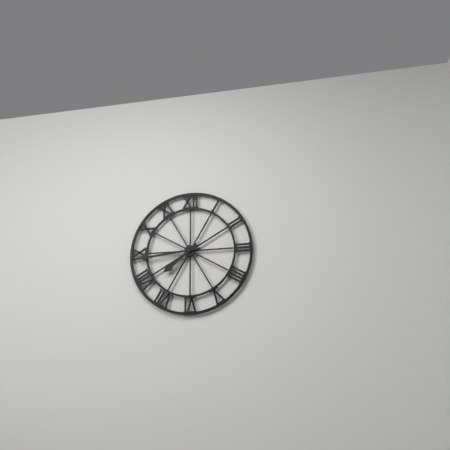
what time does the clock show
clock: 7:44
